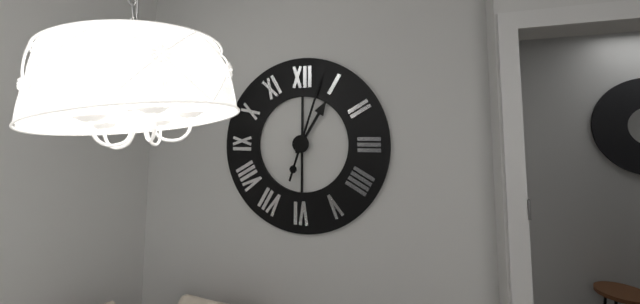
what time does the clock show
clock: 1:03
